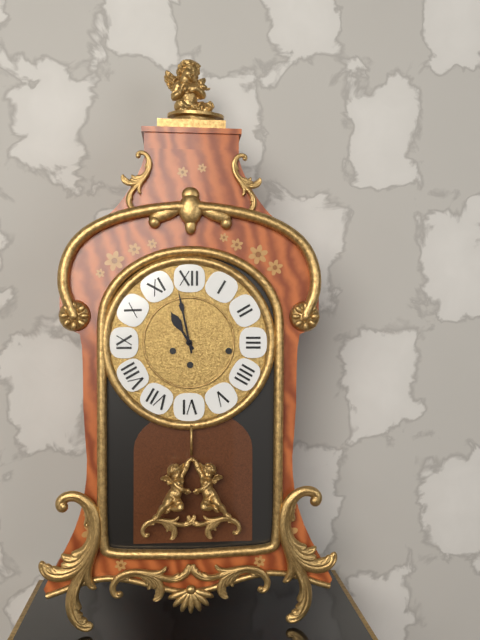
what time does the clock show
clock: 10:58
